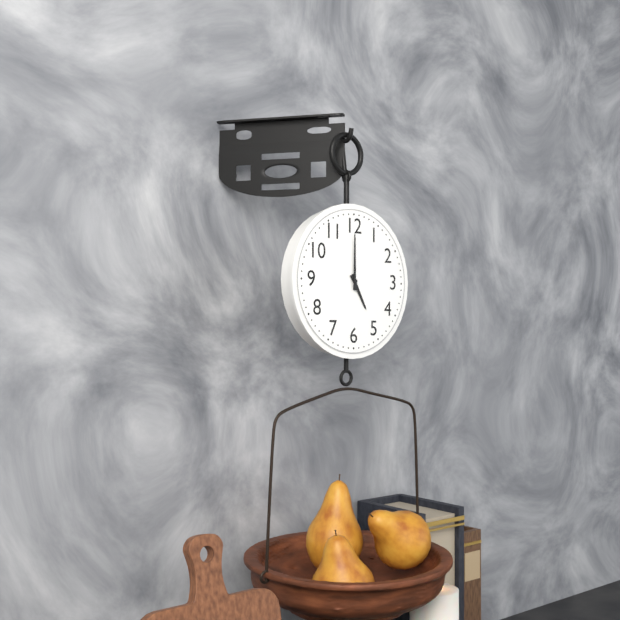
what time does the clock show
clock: 5:00
